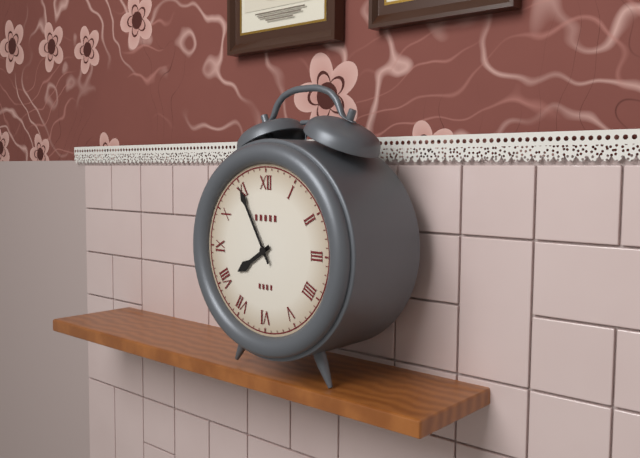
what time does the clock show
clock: 7:55
